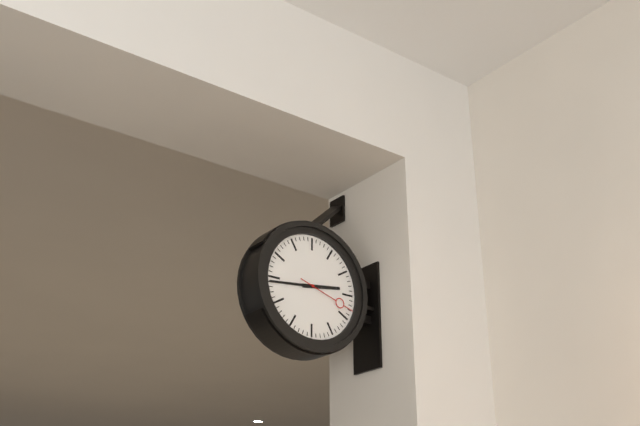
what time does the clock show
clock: 2:44:18
